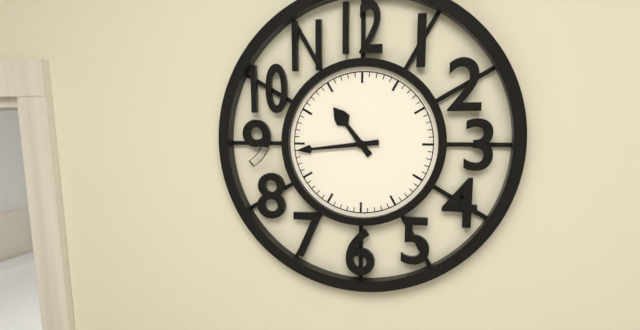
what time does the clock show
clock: 10:44
